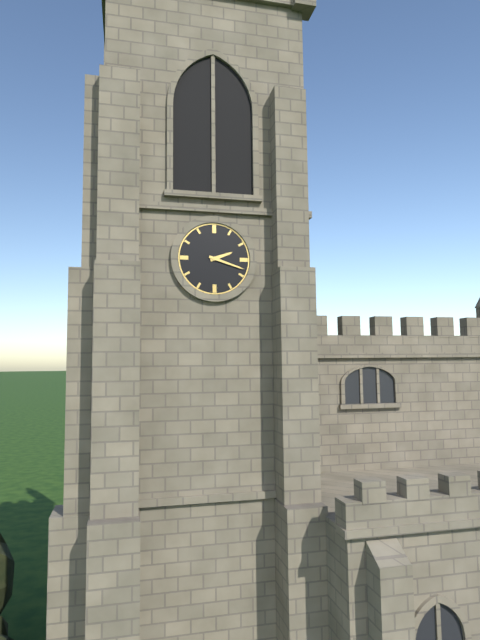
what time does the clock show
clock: 2:18
